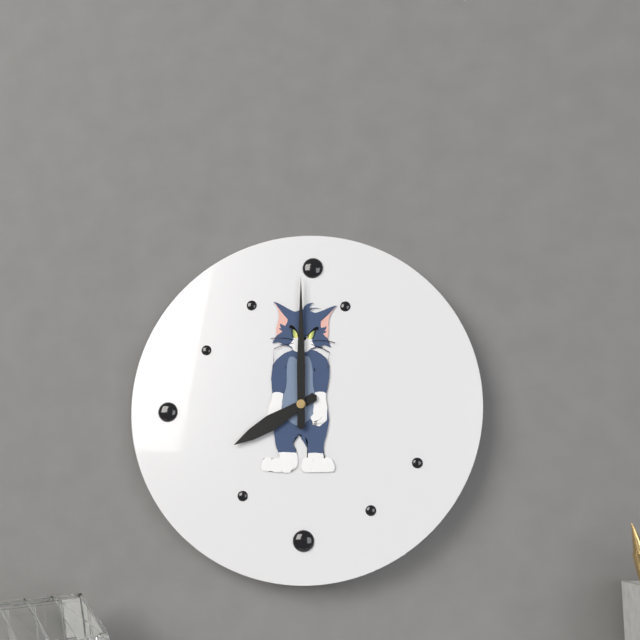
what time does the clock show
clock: 8:00
